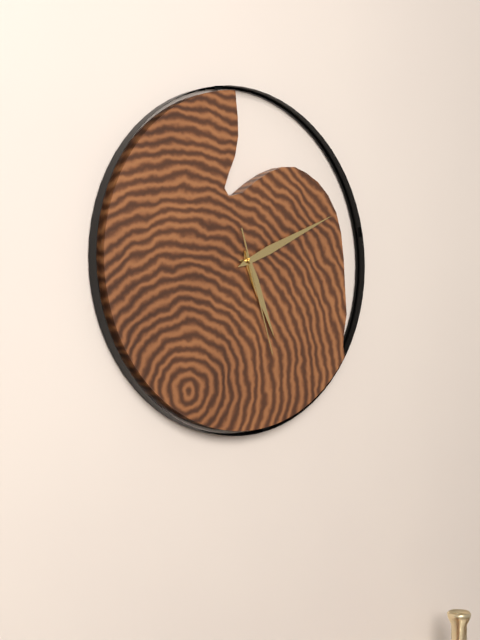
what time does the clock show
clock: 5:11:27
